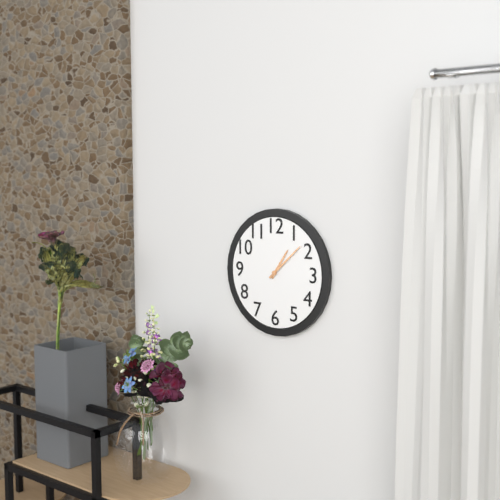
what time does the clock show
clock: 1:08
